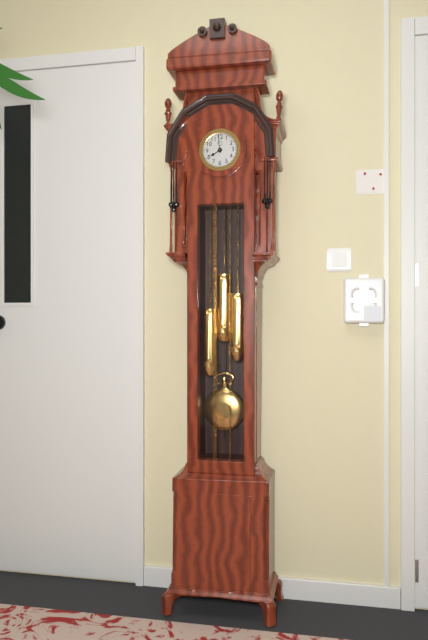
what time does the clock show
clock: 7:59
